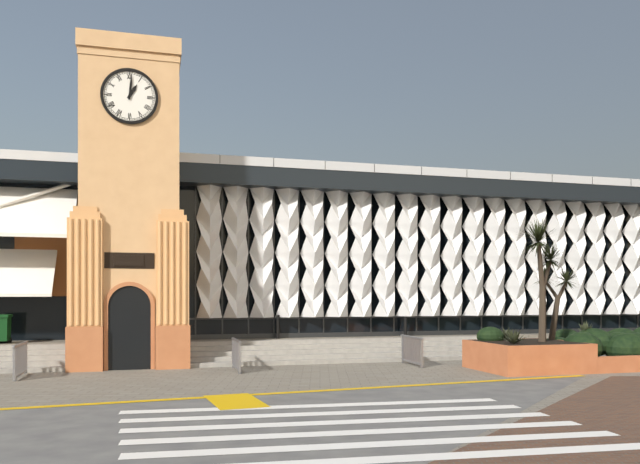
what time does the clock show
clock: 1:01
